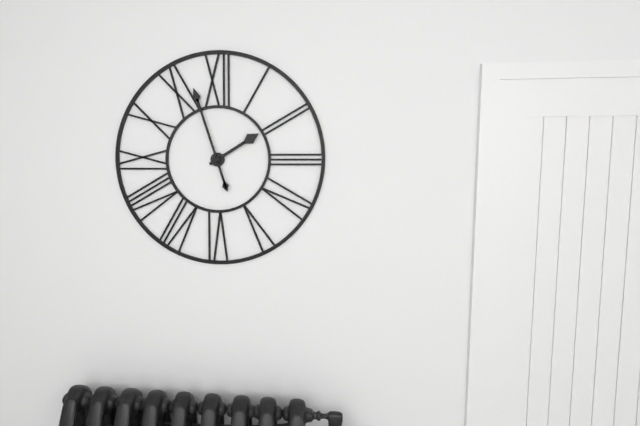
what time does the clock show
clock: 1:57
